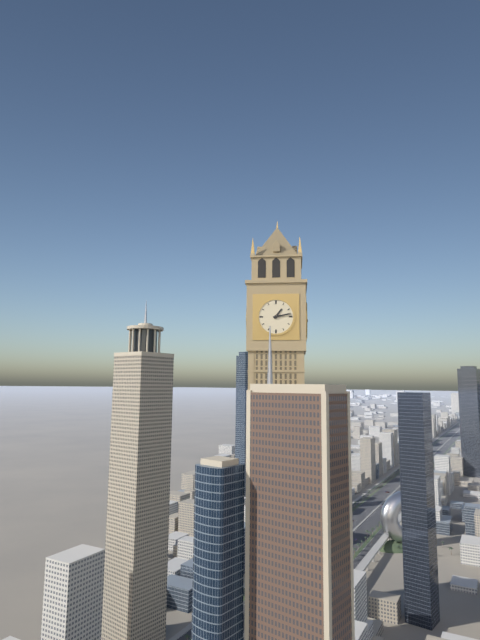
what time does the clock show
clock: 1:13
